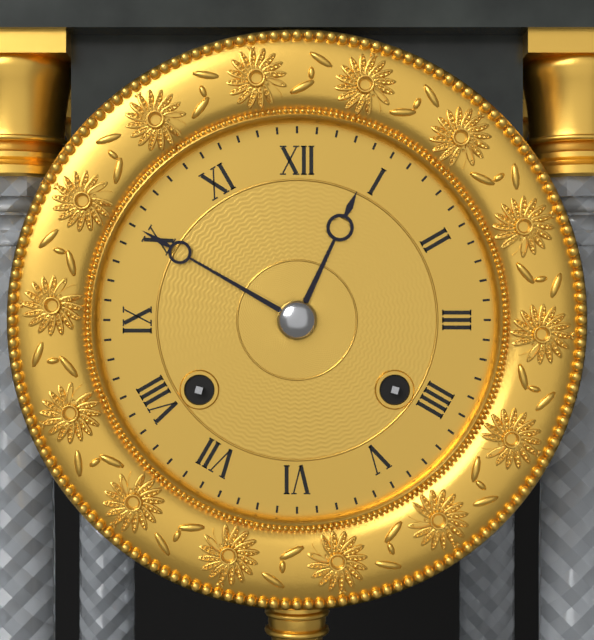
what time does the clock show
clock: 12:50
